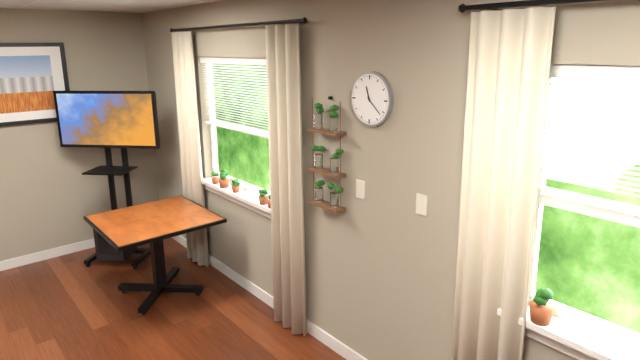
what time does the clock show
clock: 11:22
